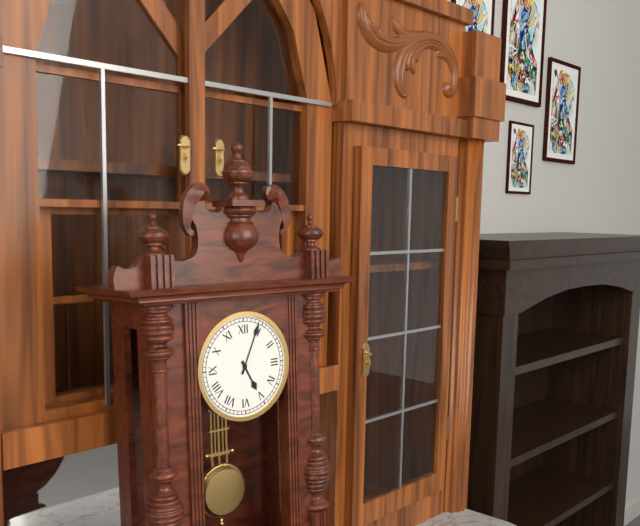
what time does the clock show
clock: 5:04
